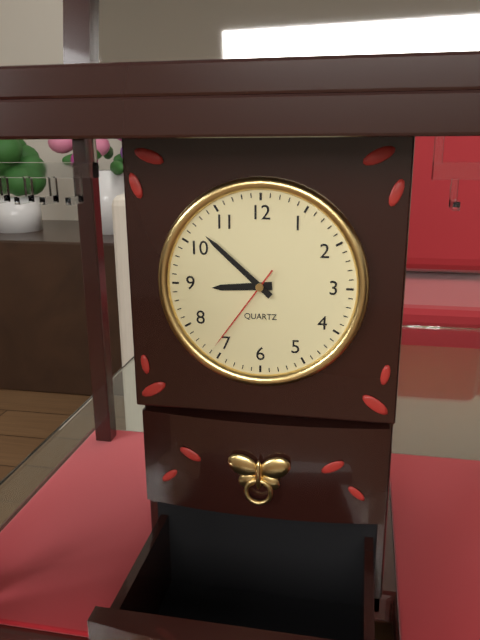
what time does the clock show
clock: 8:52:36
